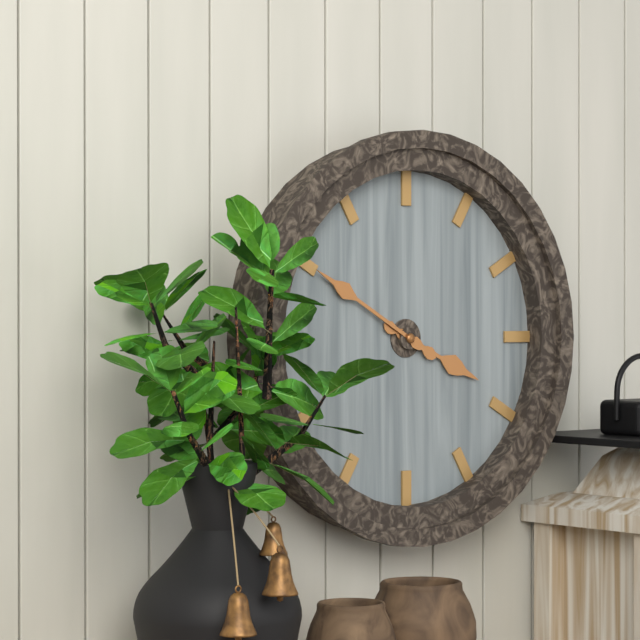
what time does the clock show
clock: 3:50
